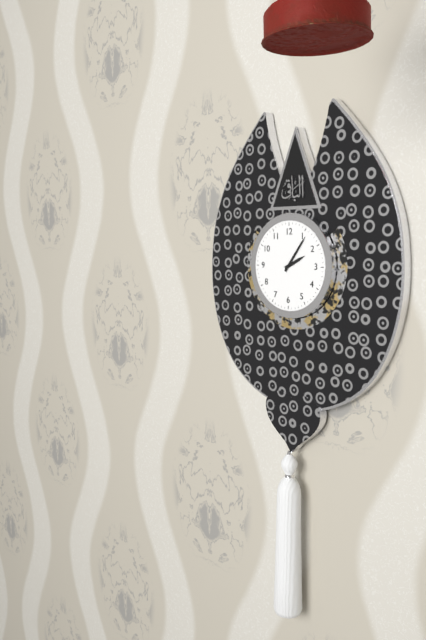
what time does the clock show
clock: 2:06
